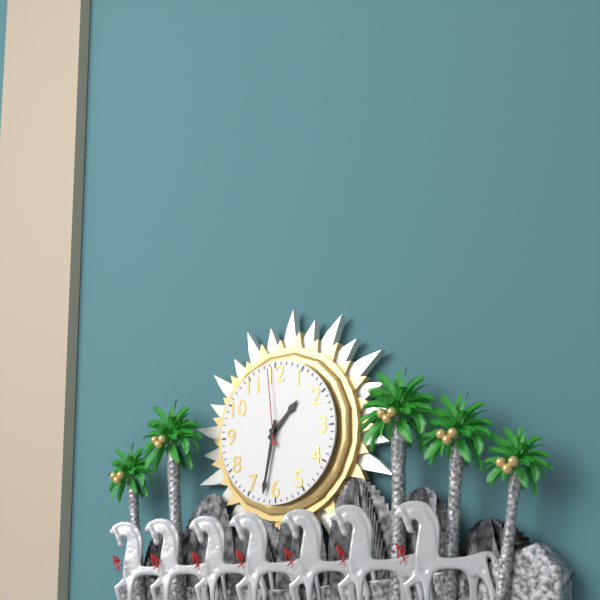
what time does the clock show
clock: 1:32:59
